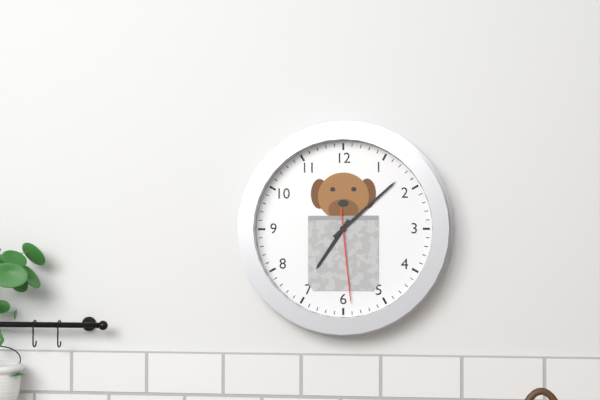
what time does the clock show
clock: 7:08:29
